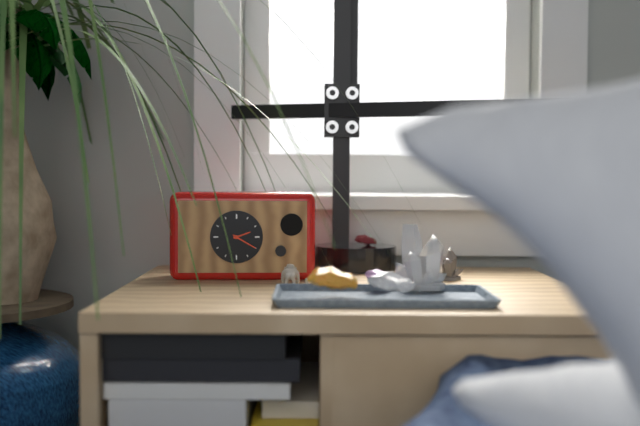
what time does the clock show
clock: 2:20
